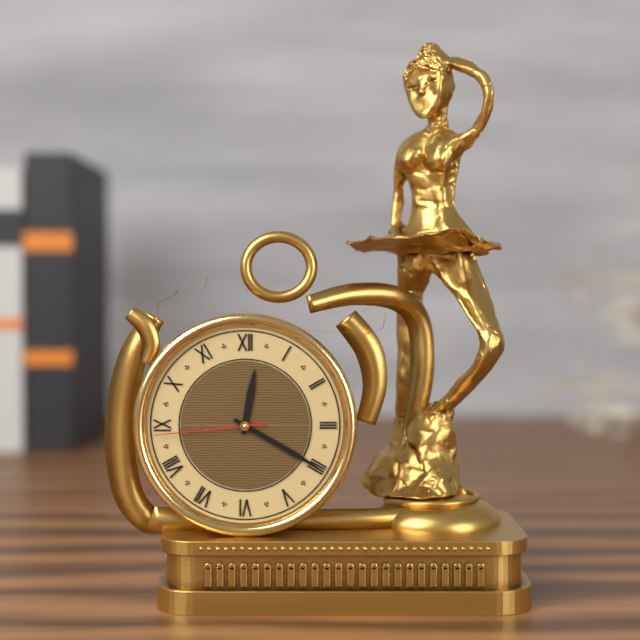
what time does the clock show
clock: 12:20:44
